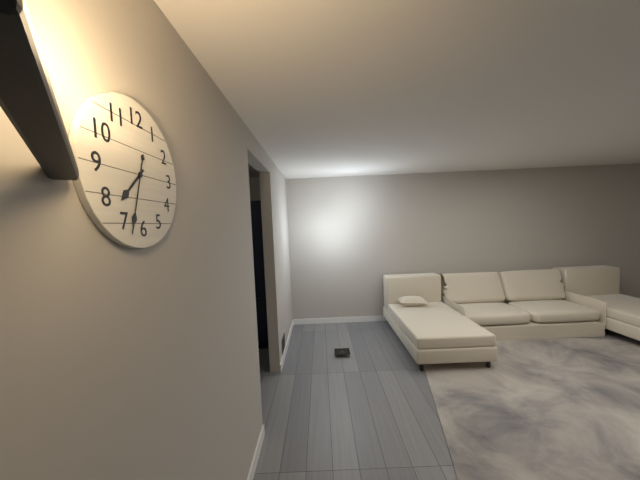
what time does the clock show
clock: 7:33
